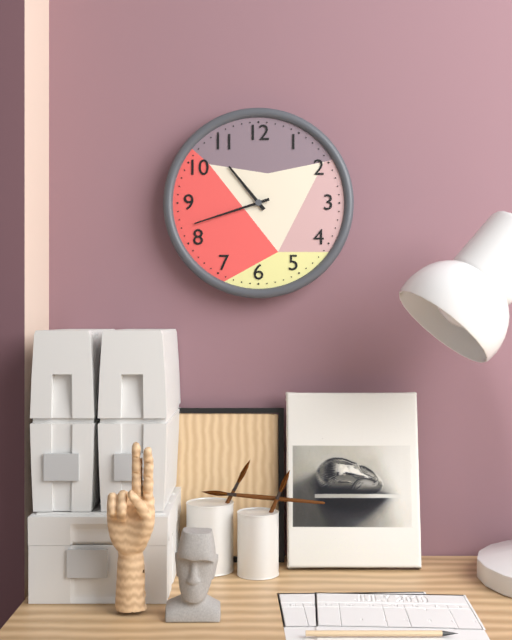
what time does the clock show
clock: 10:42
